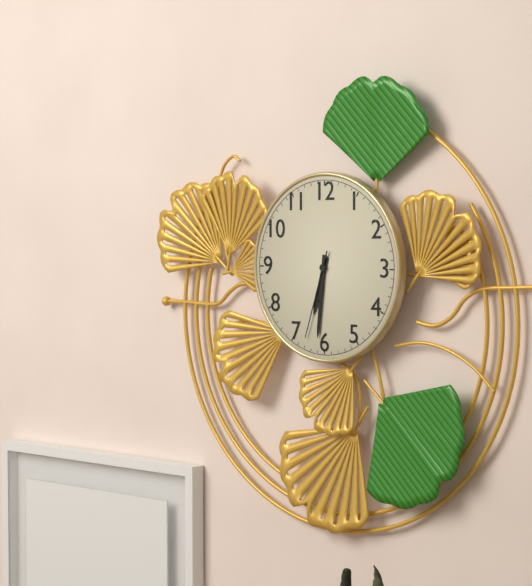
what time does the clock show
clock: 6:31:33
